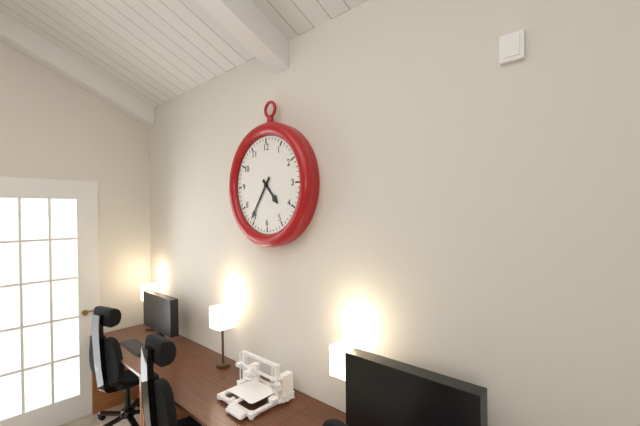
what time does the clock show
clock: 4:36
